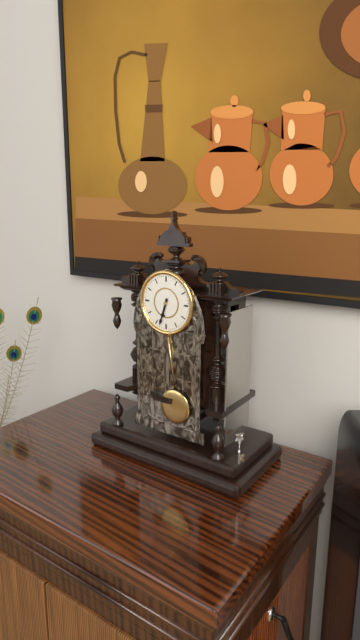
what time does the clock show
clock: 6:33
